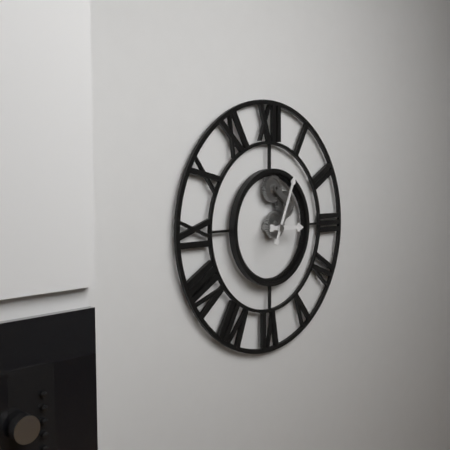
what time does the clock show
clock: 3:04
